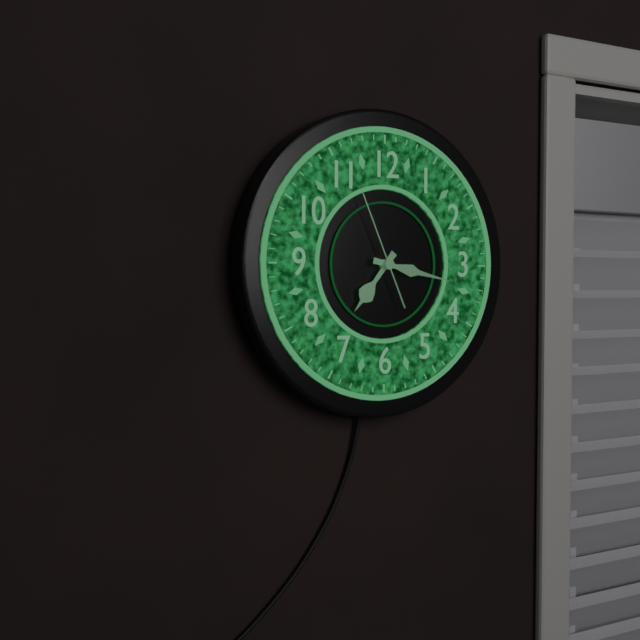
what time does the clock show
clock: 7:17:56
